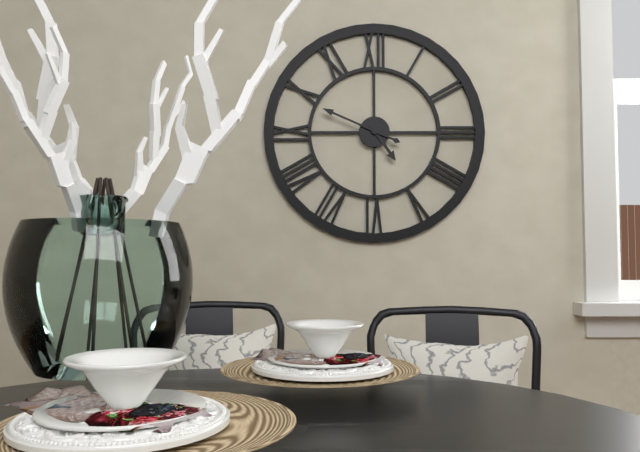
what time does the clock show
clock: 4:49
